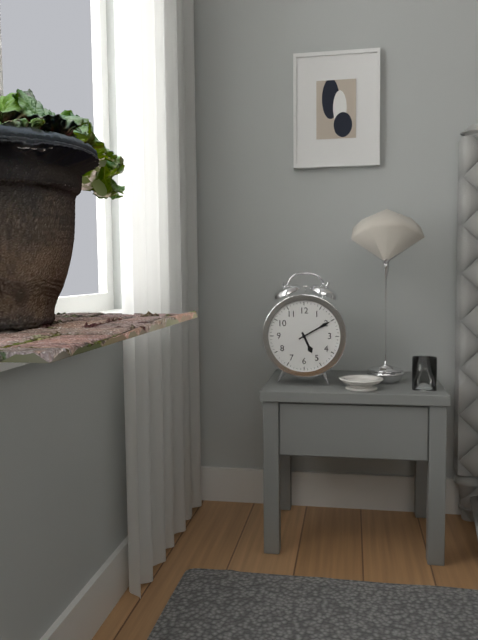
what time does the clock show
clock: 5:10
